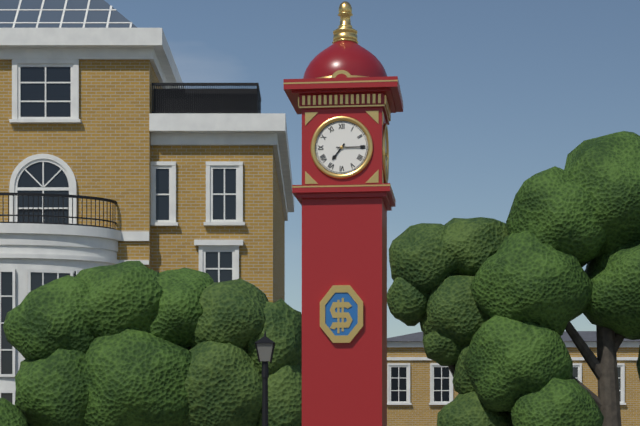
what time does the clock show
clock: 7:15
